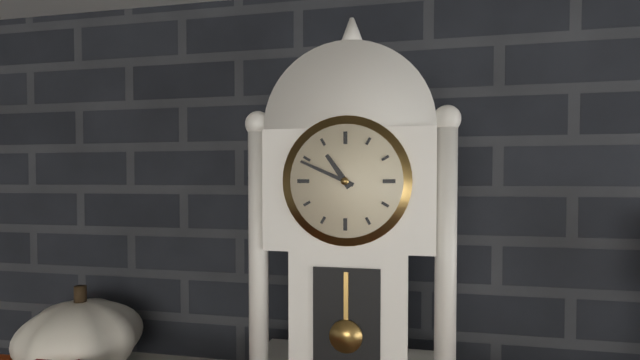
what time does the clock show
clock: 10:49
